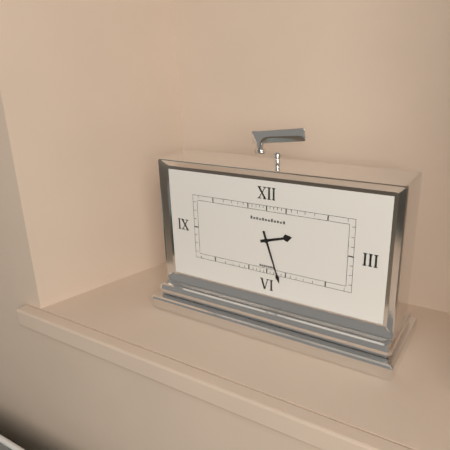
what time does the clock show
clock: 2:27
